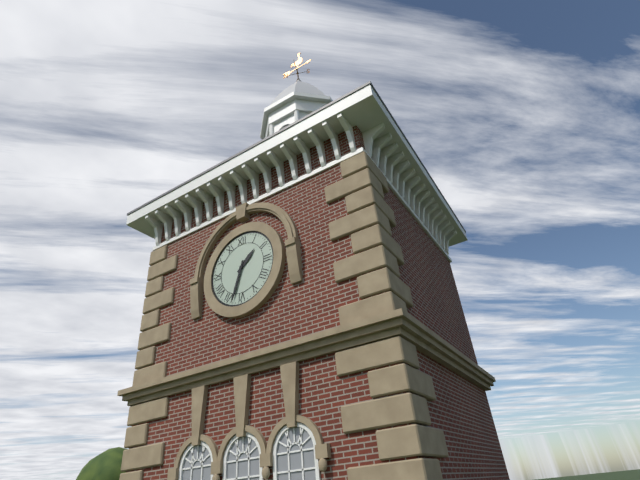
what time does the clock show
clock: 1:33
